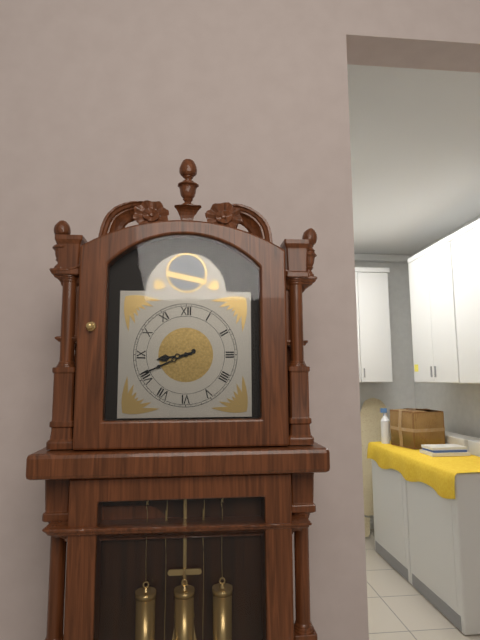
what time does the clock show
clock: 8:41
